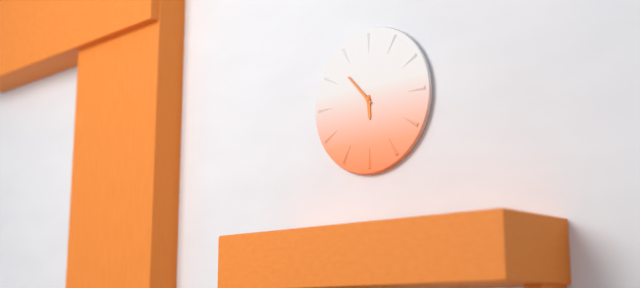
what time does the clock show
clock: 5:53
